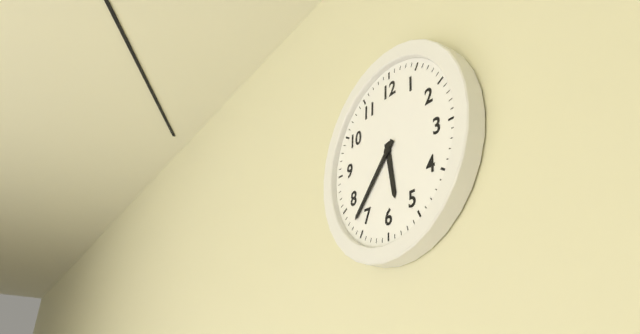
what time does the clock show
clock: 5:37
